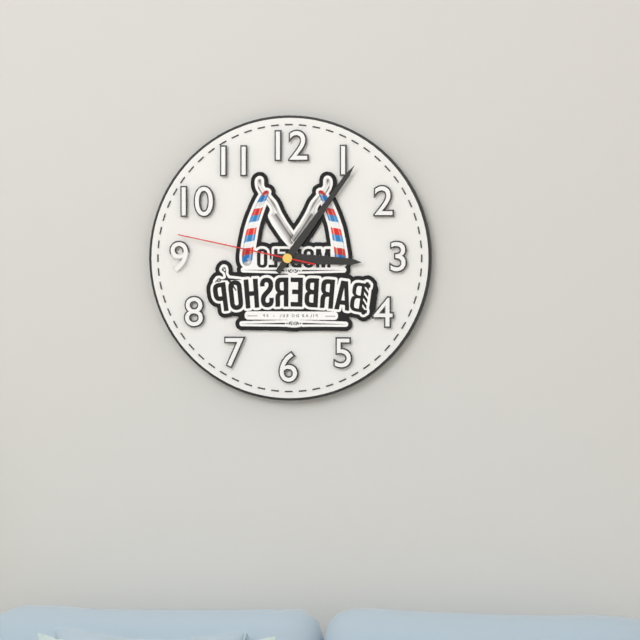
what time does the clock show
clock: 3:06:47
